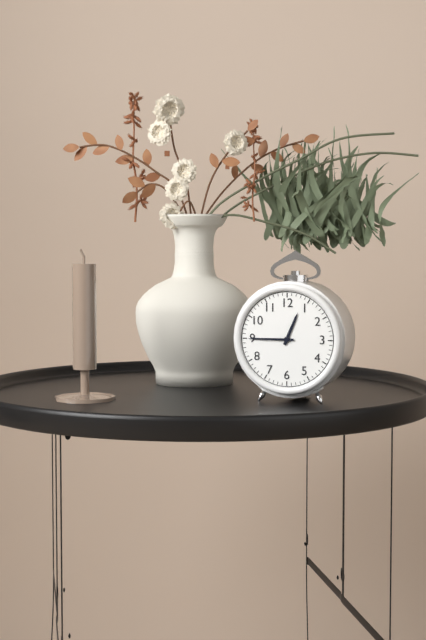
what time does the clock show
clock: 12:45
